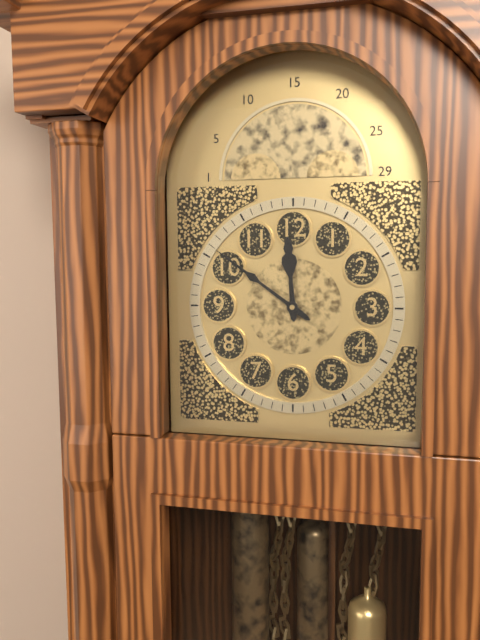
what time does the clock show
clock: 11:51
